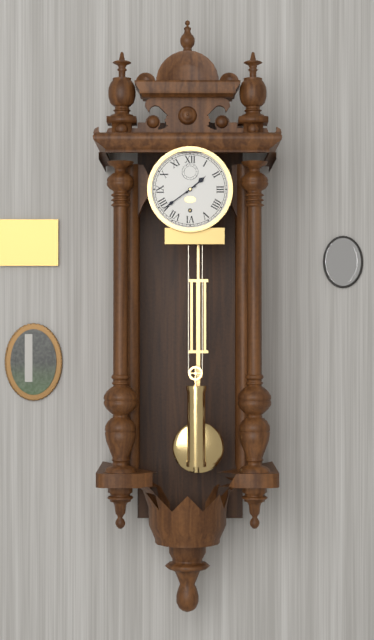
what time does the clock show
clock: 1:39
